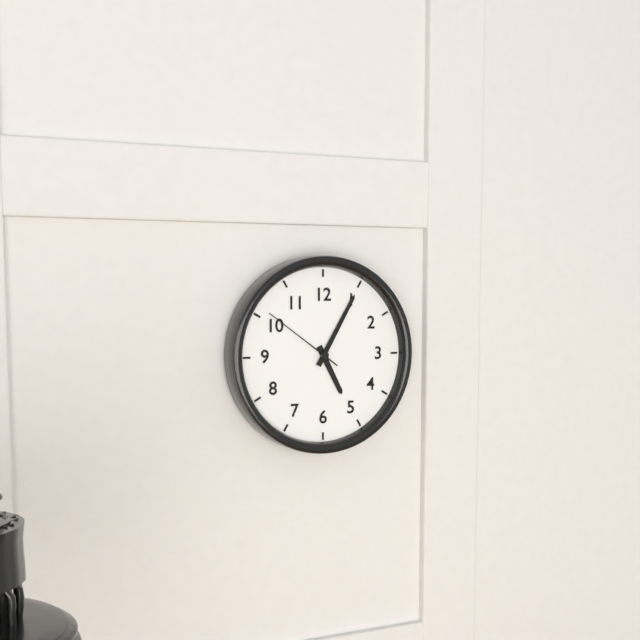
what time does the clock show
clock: 5:05:51
